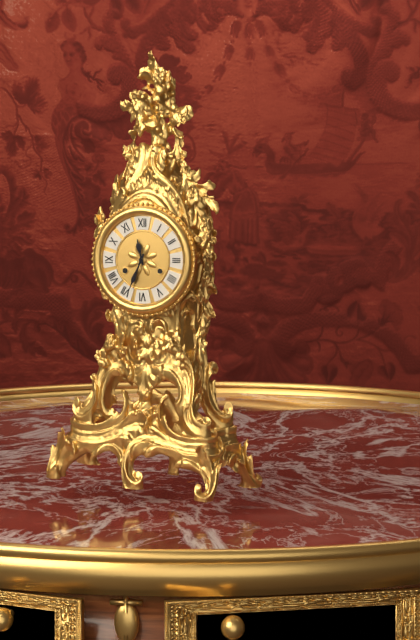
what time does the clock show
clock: 11:34
